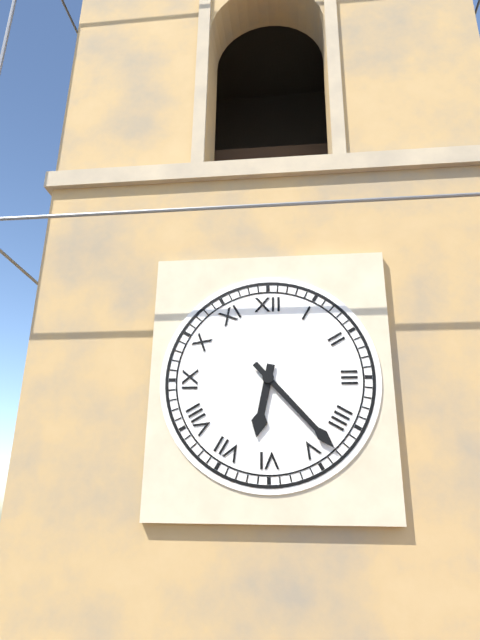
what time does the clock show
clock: 6:23
